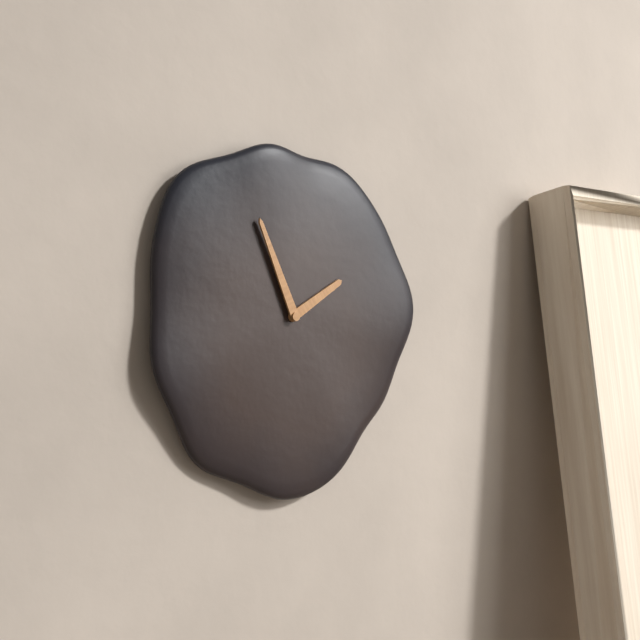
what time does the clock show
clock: 1:56
